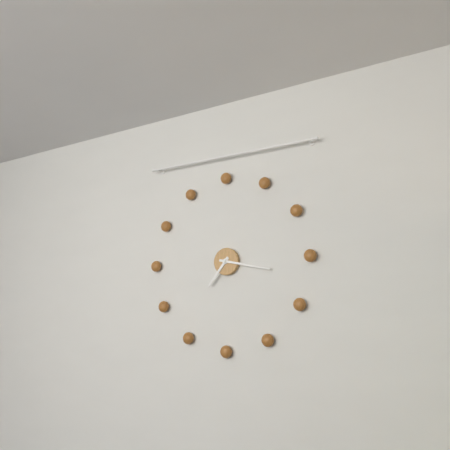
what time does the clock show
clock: 7:17
